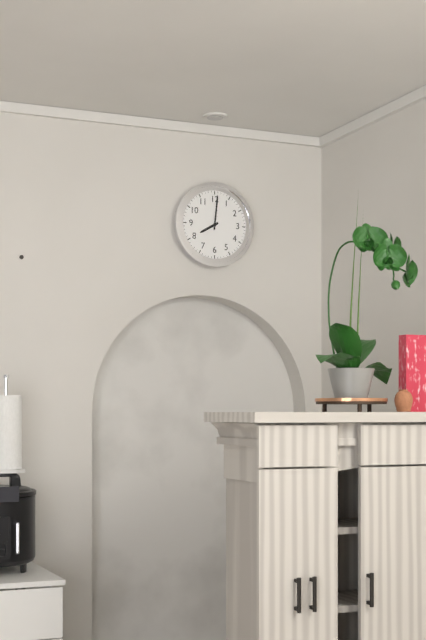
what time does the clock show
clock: 8:01
